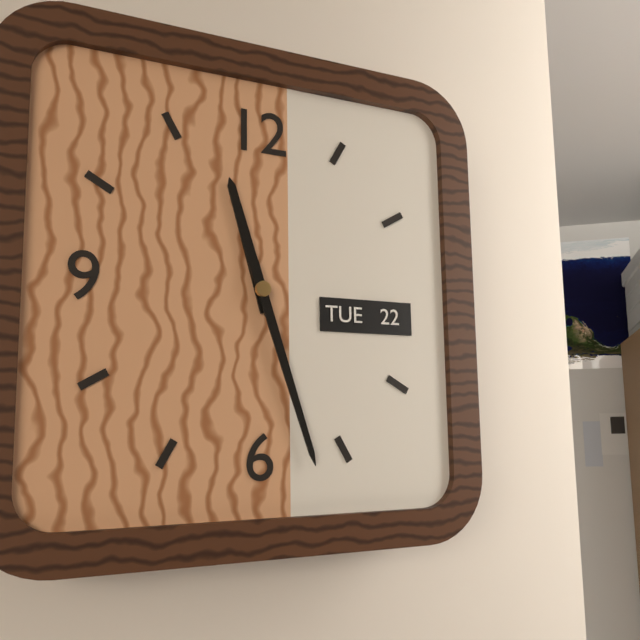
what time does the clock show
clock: 11:27
